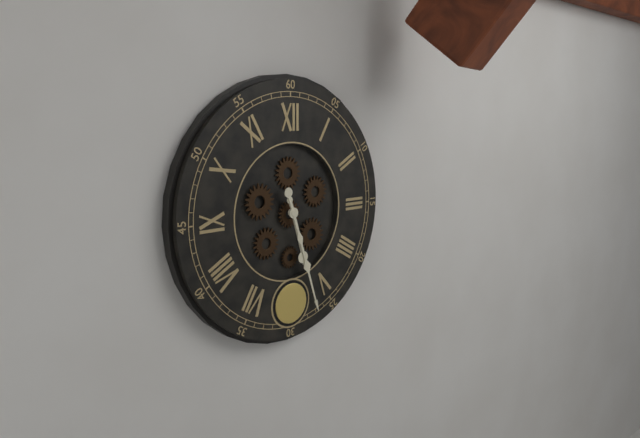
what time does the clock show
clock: 5:27
